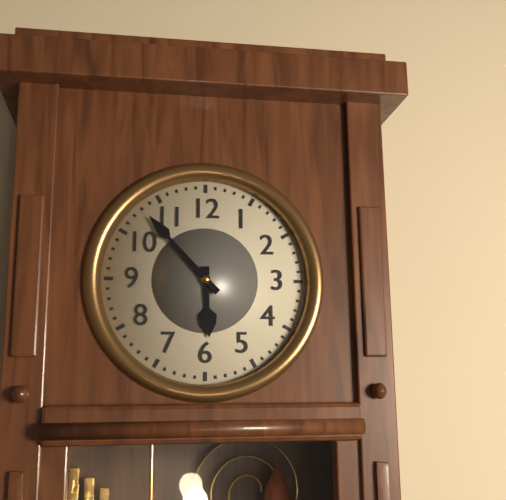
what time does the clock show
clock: 5:53
